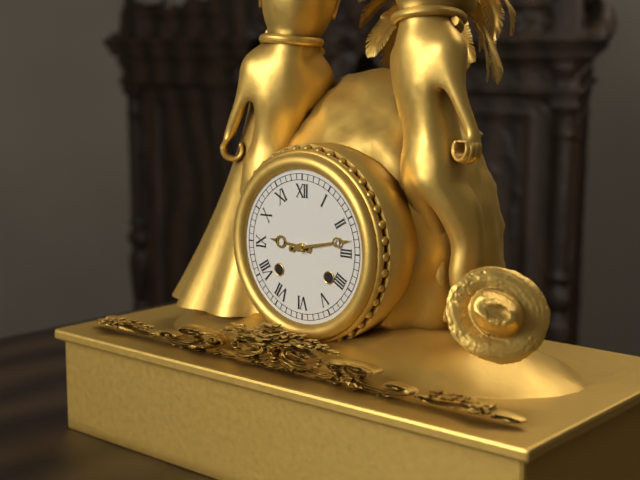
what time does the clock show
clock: 9:13
